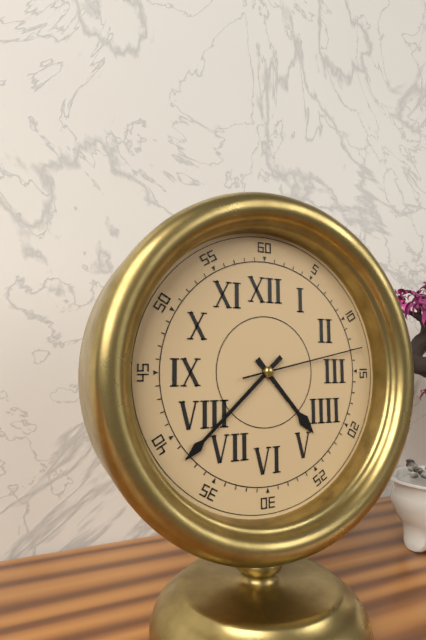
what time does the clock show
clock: 4:38:13
